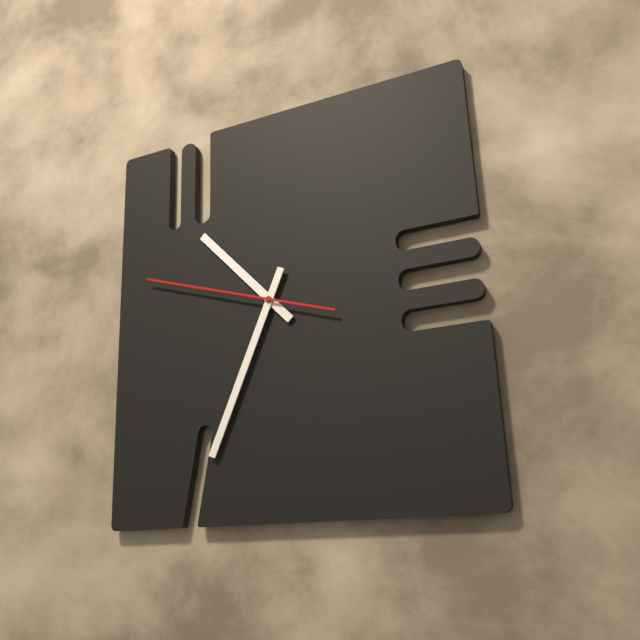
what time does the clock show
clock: 10:34:48
